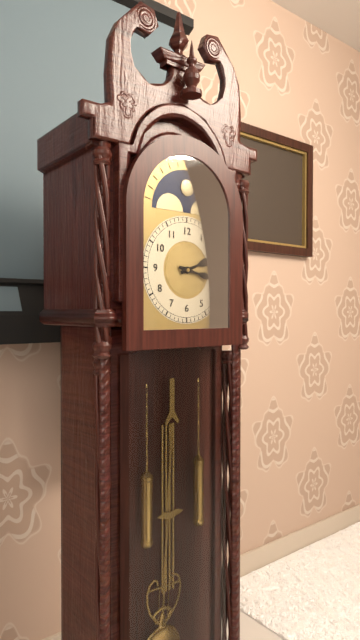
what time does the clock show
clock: 2:17
